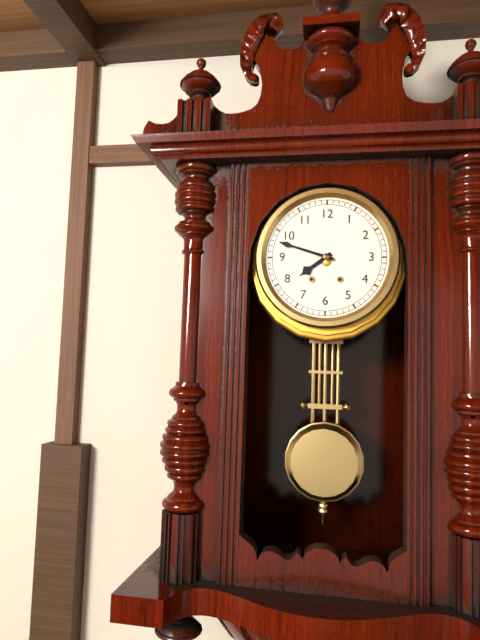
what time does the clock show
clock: 7:48
